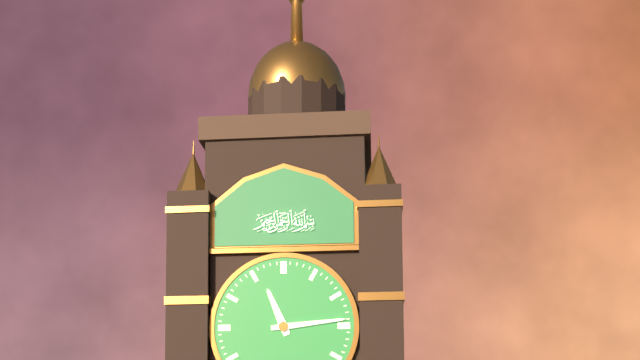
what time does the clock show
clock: 11:14
